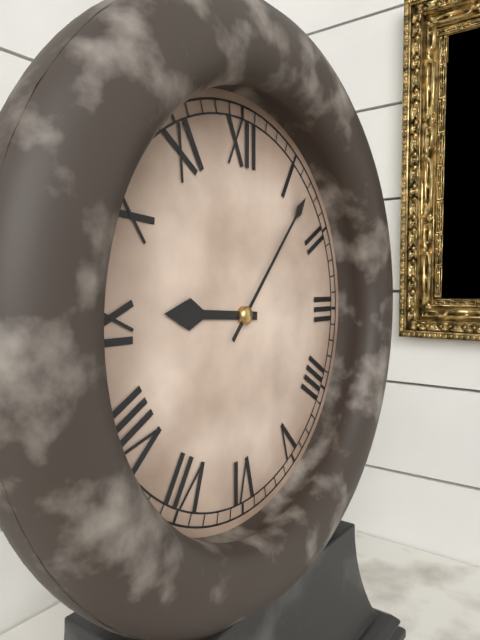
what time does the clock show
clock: 9:07
